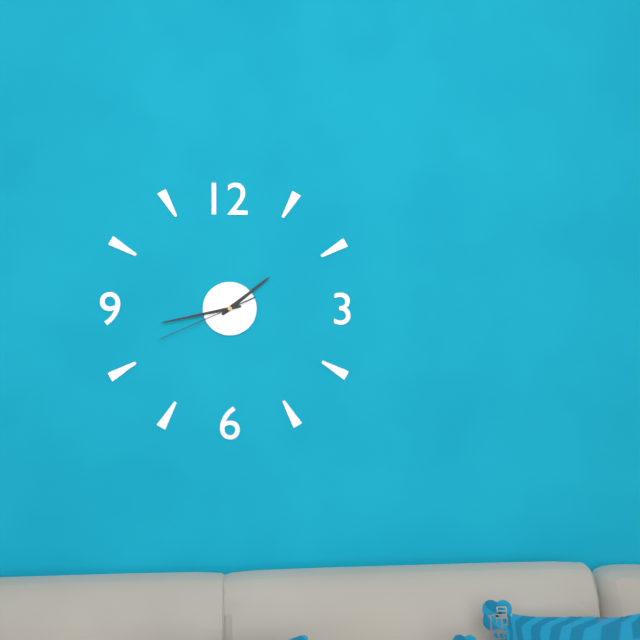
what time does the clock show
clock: 1:43:41
